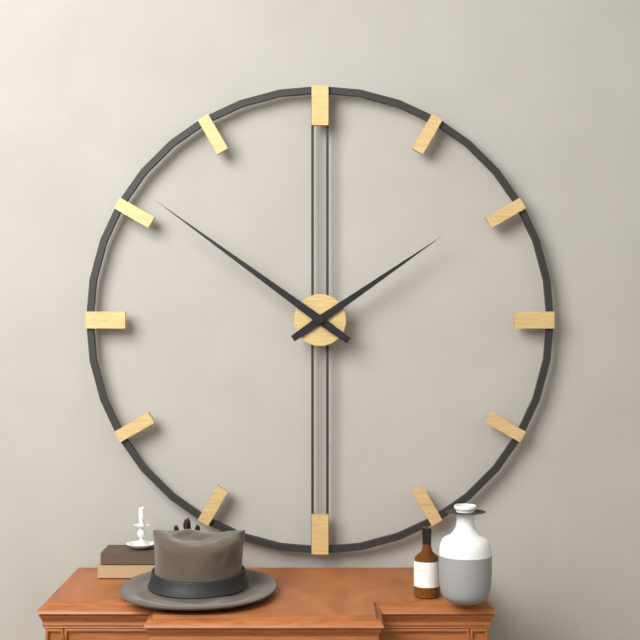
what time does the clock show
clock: 1:51
